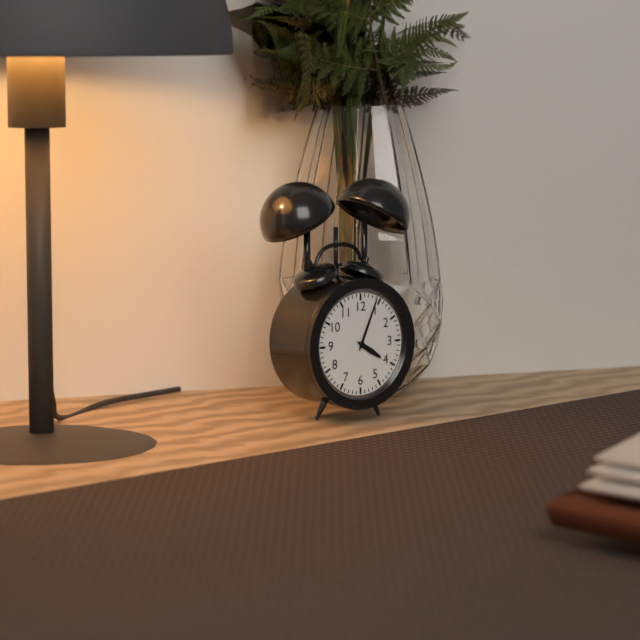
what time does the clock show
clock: 4:04
